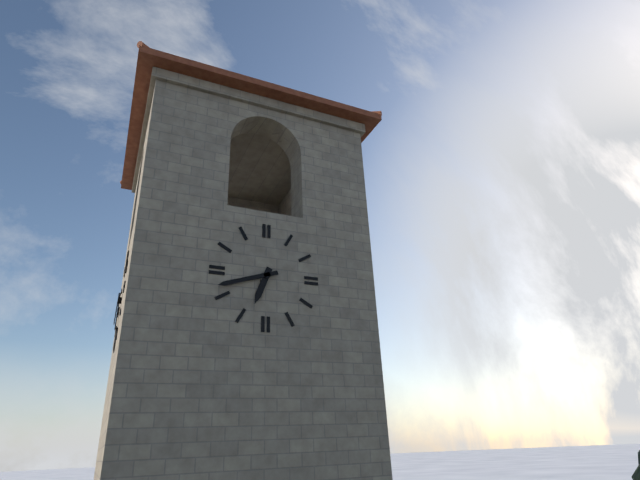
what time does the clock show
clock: 6:42
